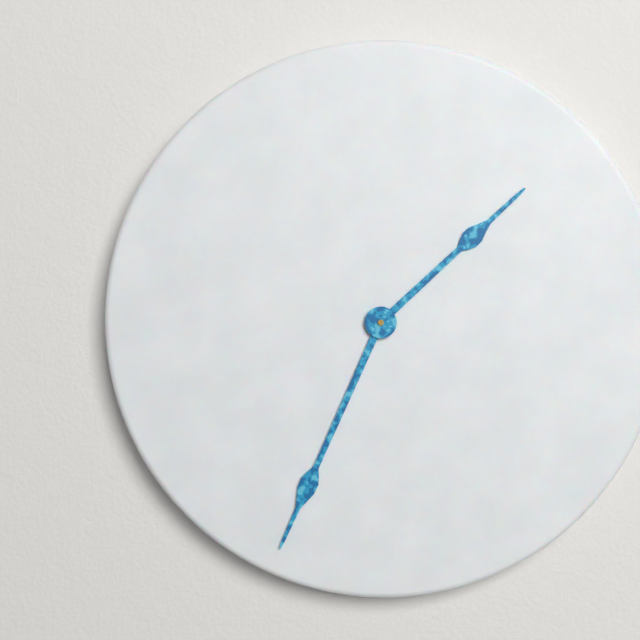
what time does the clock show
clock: 1:34
